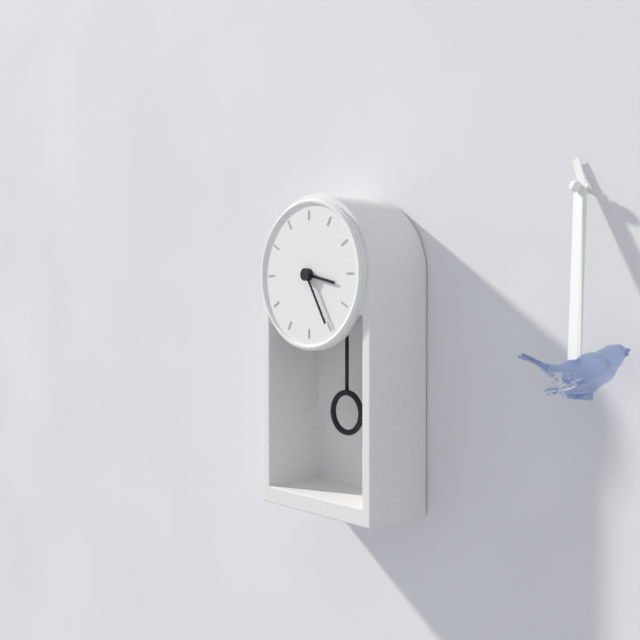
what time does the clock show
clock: 3:25
